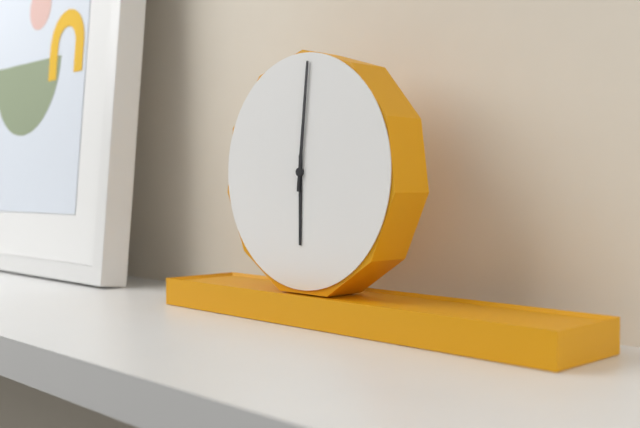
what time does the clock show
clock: 6:01
